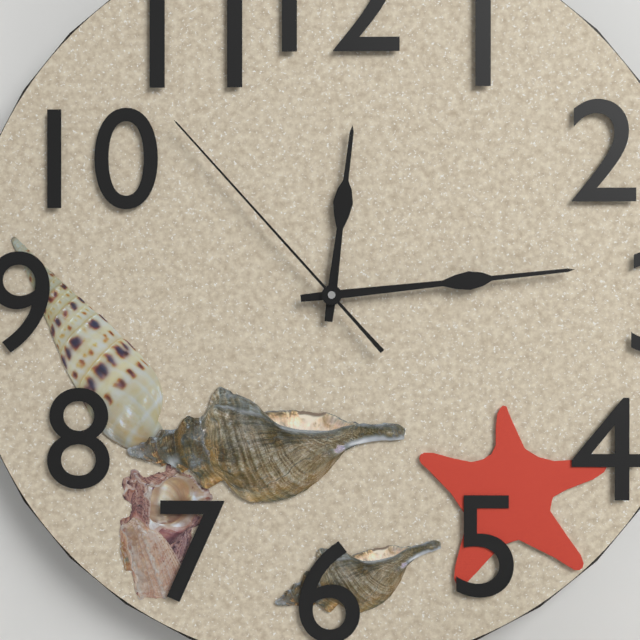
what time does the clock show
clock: 12:14:53
